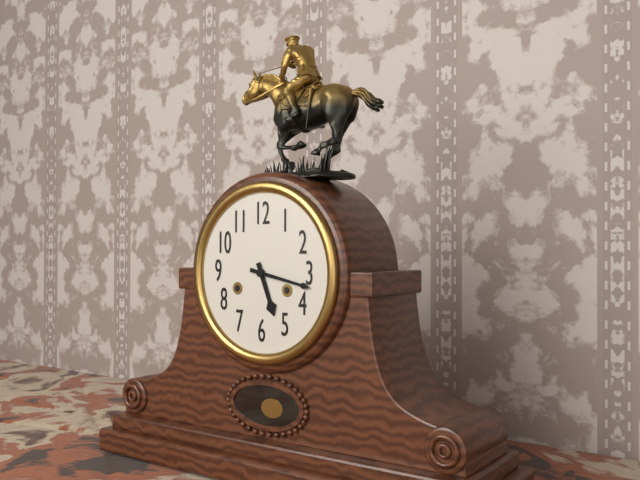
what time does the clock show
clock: 5:17
